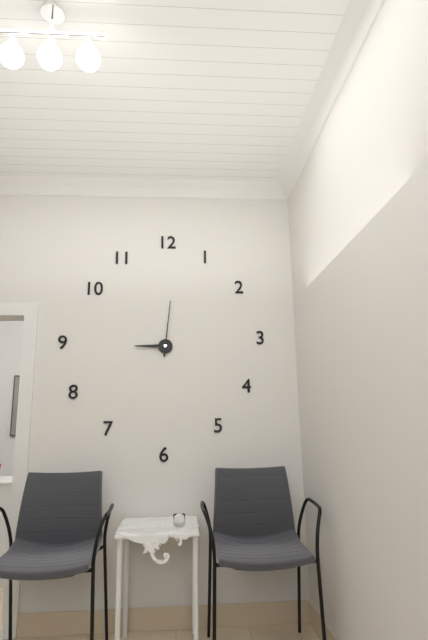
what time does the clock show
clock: 9:01
